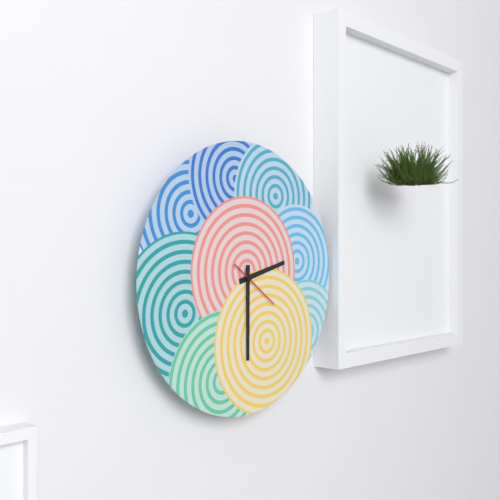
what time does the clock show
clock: 2:30
